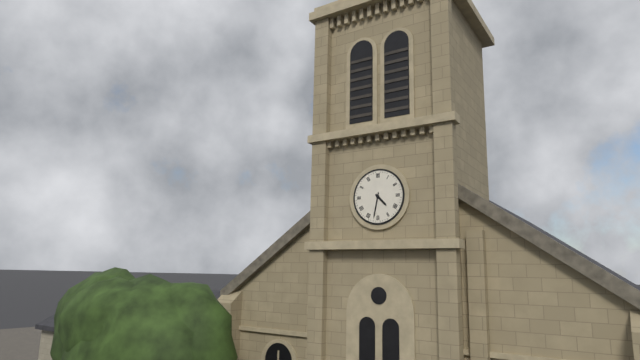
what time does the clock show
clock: 4:32
